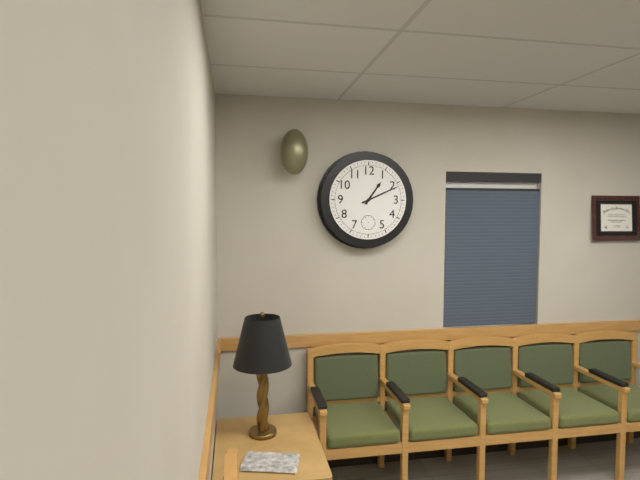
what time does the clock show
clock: 1:11
